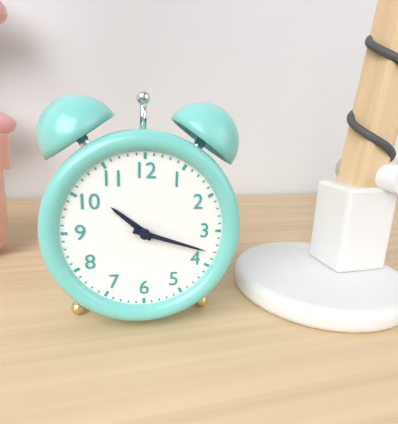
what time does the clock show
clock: 10:18
